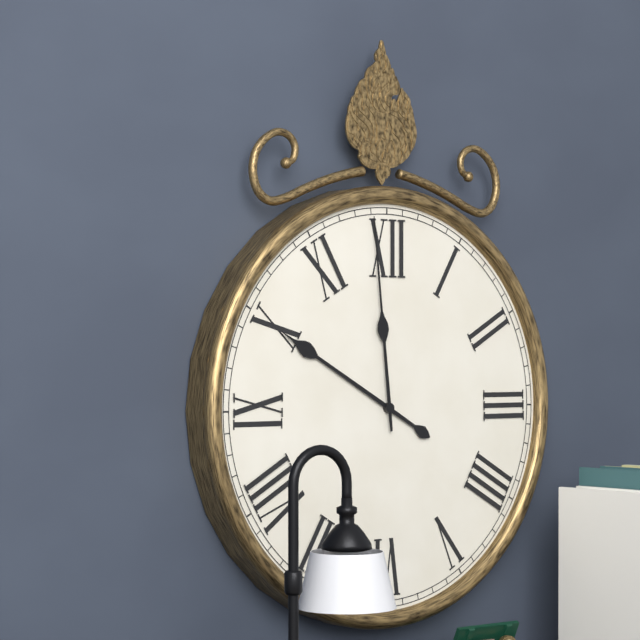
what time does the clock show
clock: 9:59
